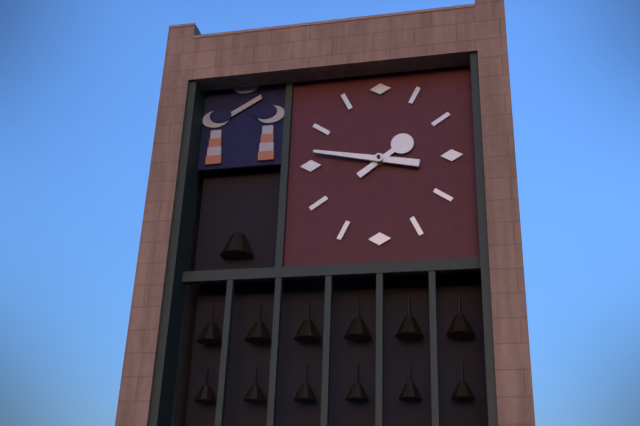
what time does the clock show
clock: 1:47
